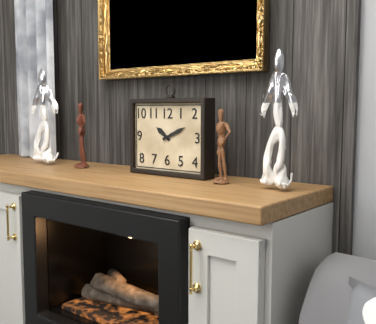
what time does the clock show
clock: 10:11
